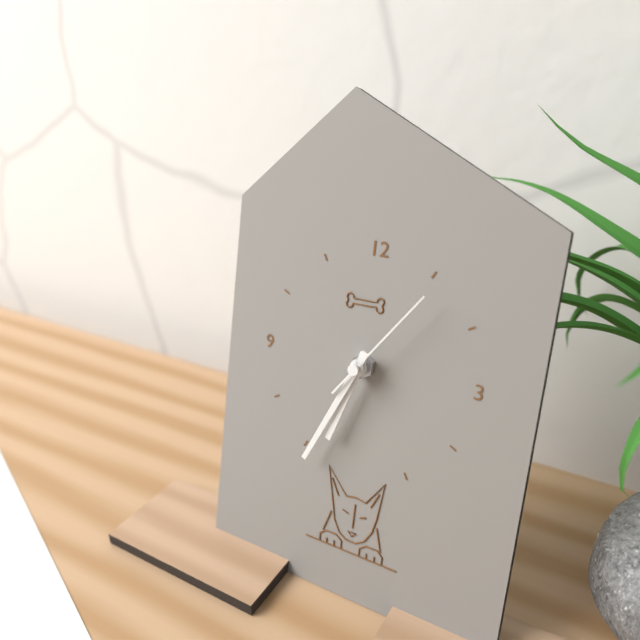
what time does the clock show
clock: 6:34:06
